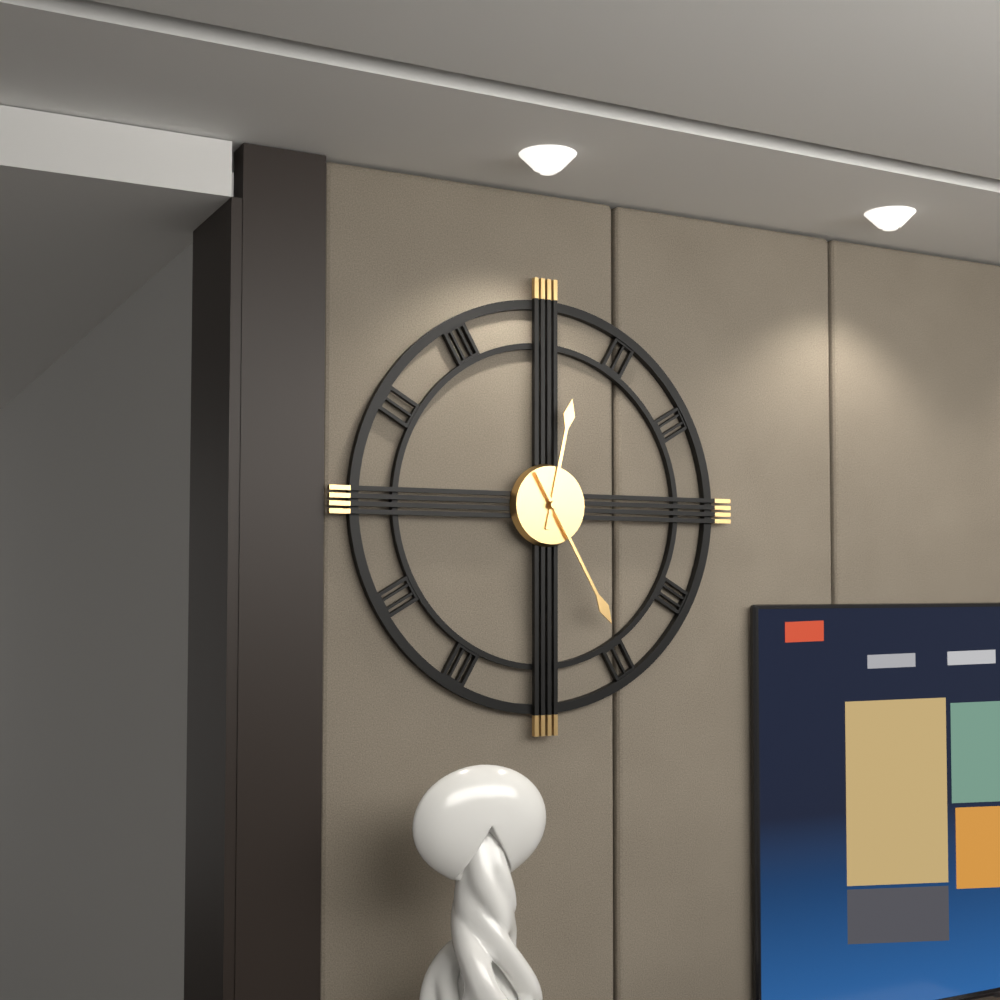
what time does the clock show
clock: 12:25
